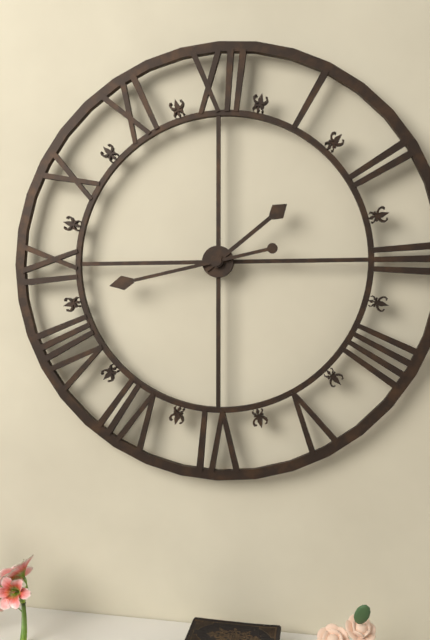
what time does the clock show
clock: 1:43
